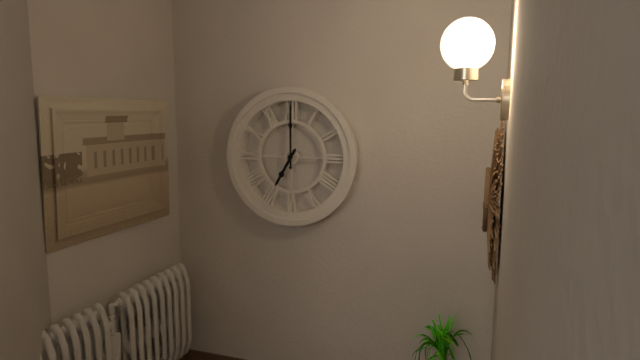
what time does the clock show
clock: 7:00
